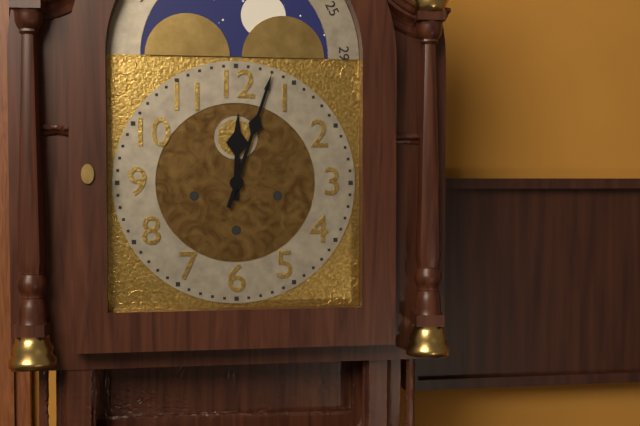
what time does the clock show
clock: 12:03
